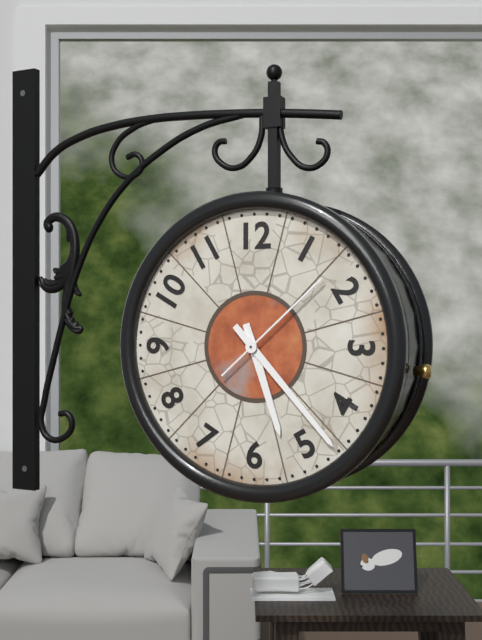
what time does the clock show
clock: 5:23:08
